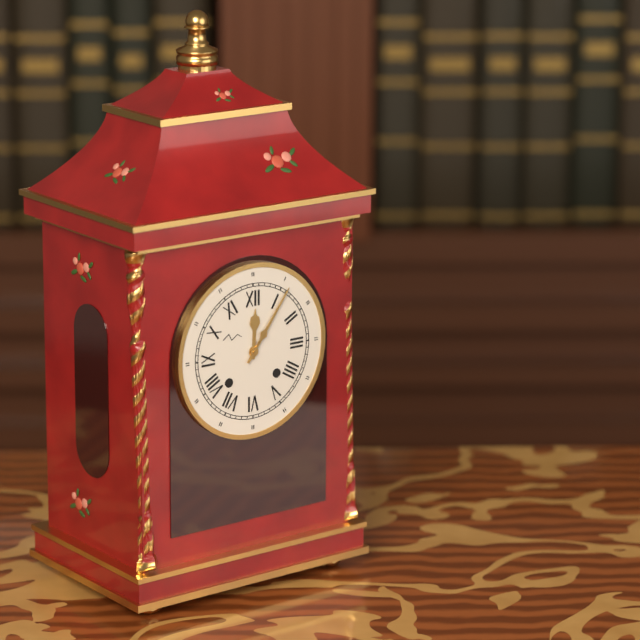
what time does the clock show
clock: 12:06
